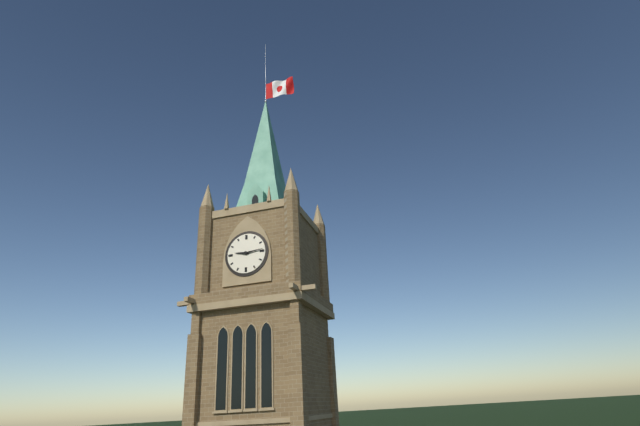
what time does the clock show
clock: 9:14
